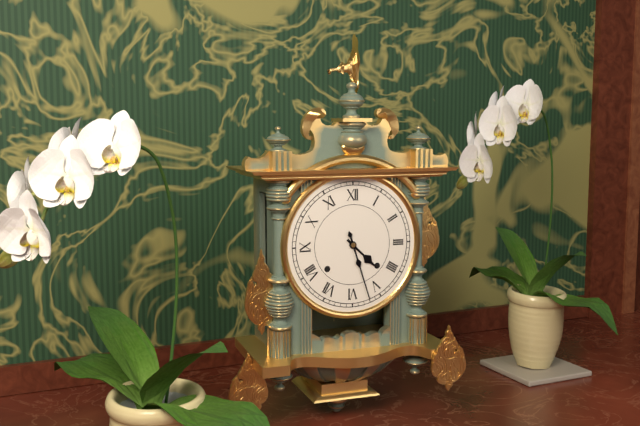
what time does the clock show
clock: 4:27
